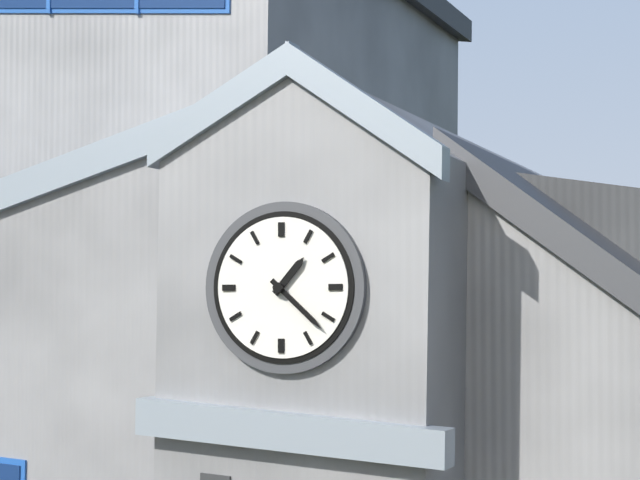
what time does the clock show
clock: 1:22
